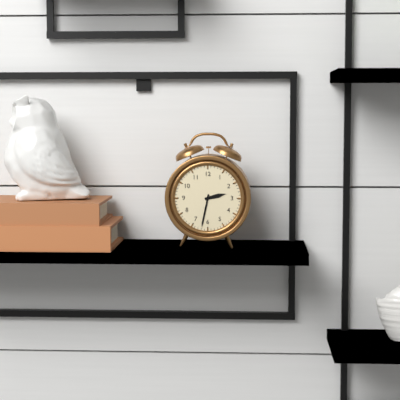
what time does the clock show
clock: 2:32
